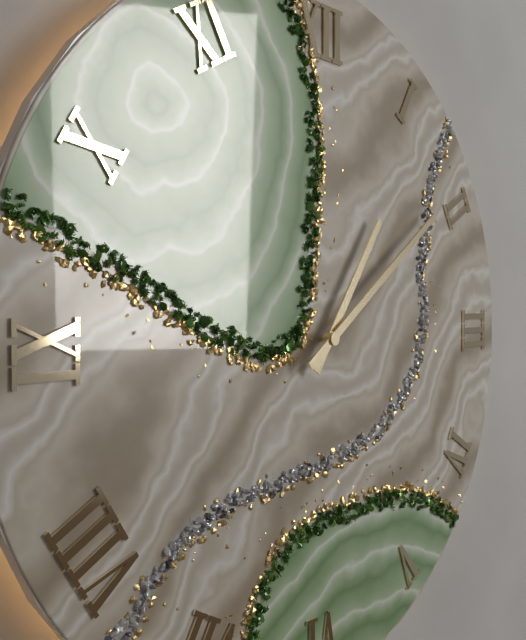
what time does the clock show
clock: 1:09
